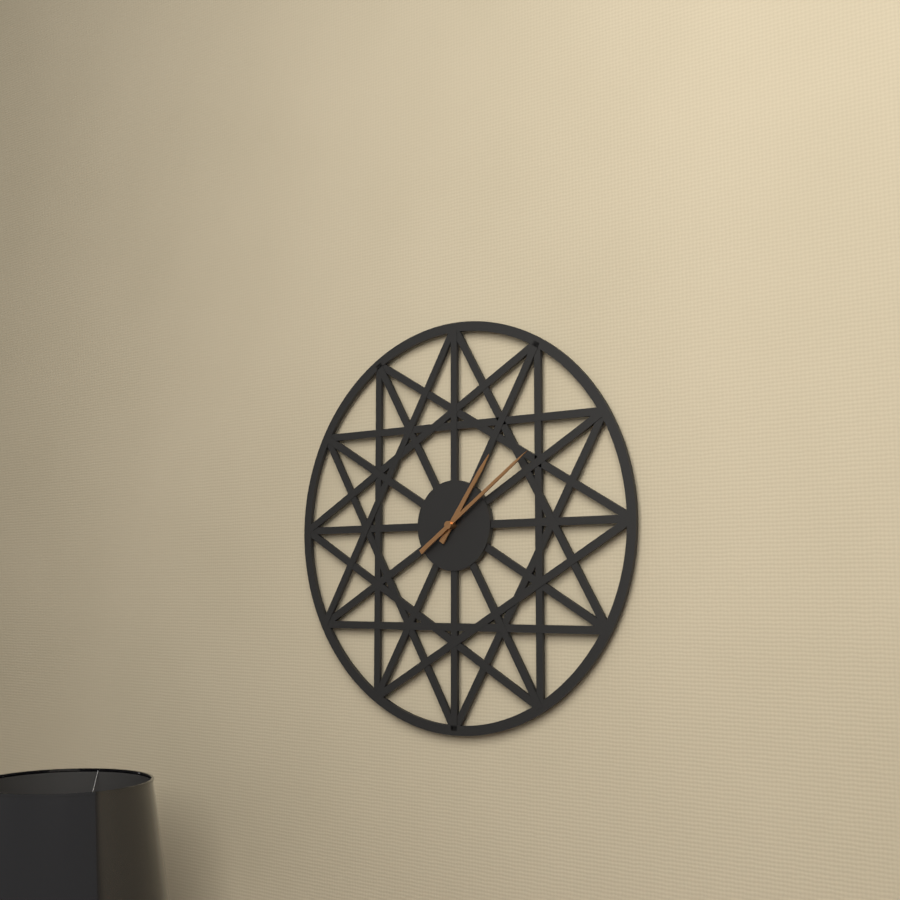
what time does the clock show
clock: 1:09
